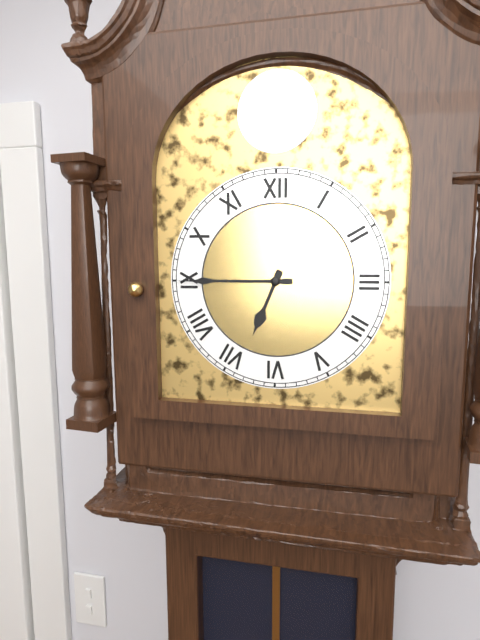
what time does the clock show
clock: 6:45
